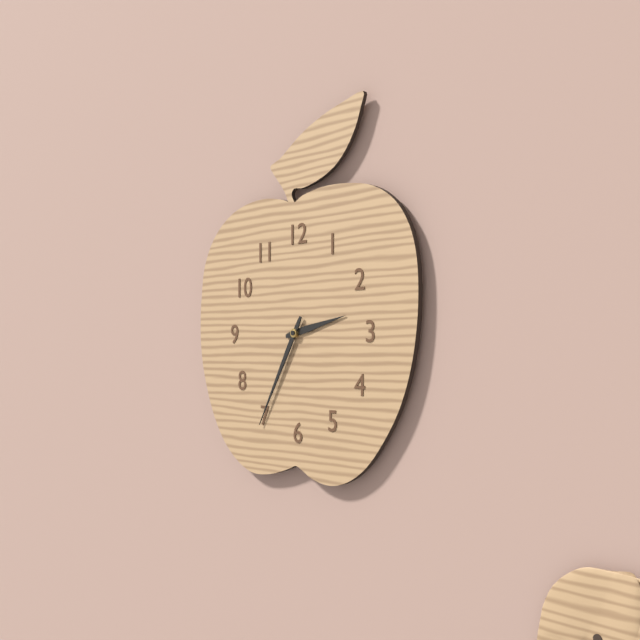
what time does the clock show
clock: 2:35
